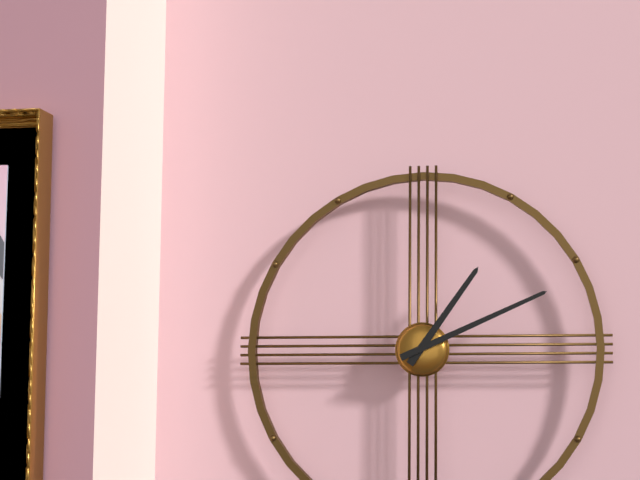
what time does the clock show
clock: 1:11
